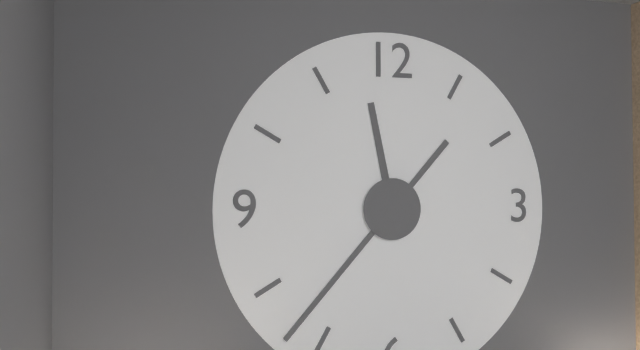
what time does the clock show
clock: 11:37
